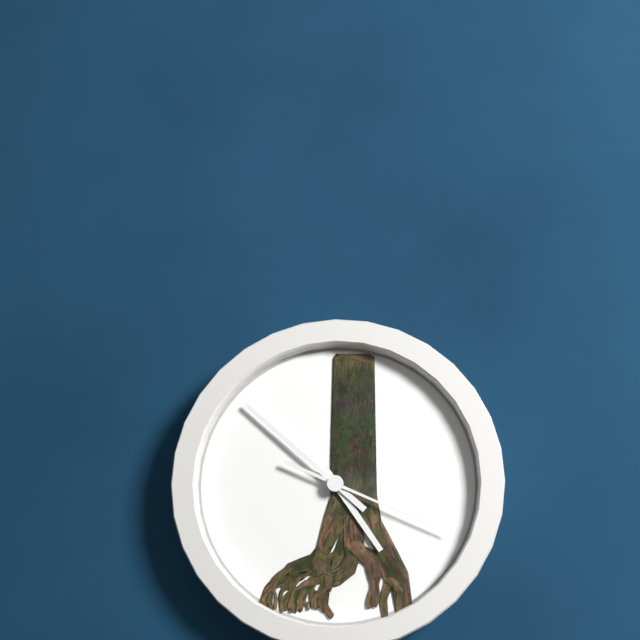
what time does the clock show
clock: 4:52:19
